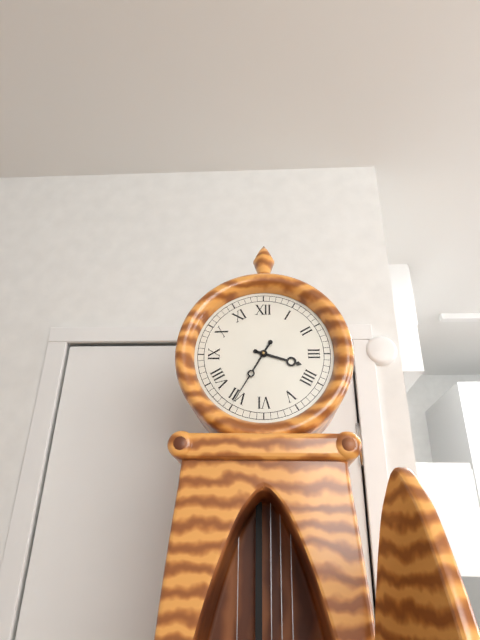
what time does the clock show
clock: 3:35
